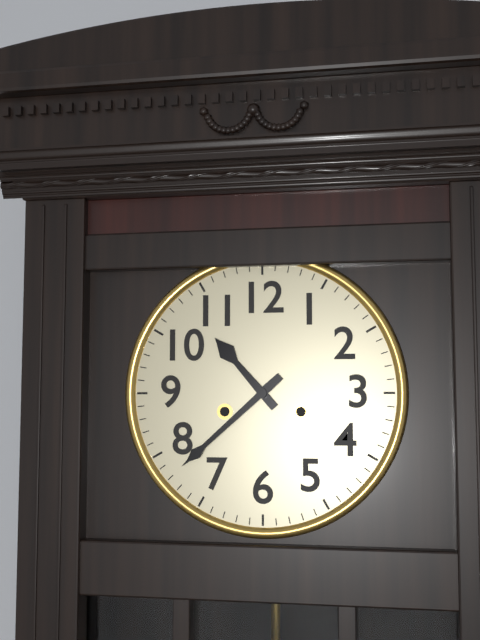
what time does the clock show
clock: 10:38
